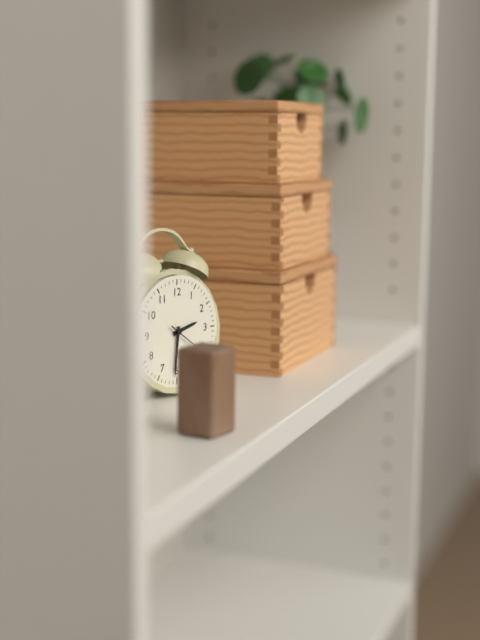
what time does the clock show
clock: 2:31
